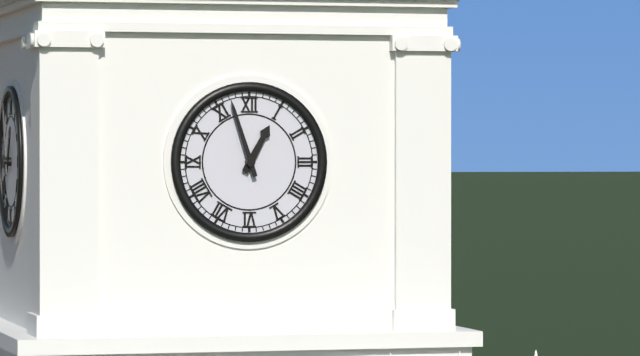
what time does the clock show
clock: 12:57
